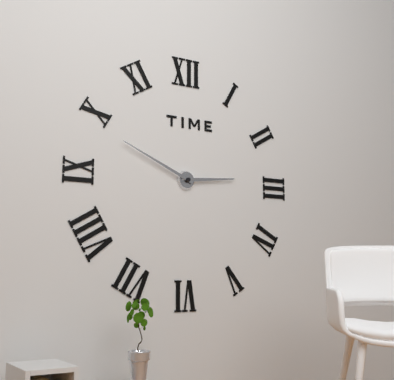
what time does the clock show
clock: 2:49
